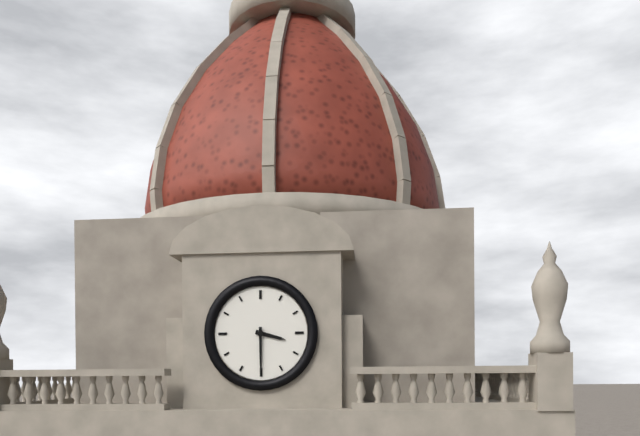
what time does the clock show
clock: 3:30
